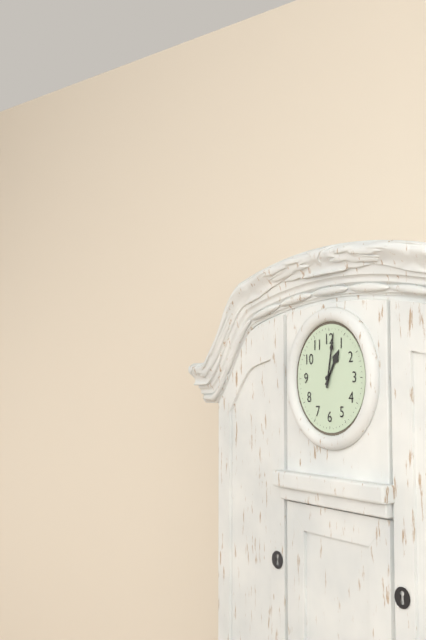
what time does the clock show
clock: 1:02
